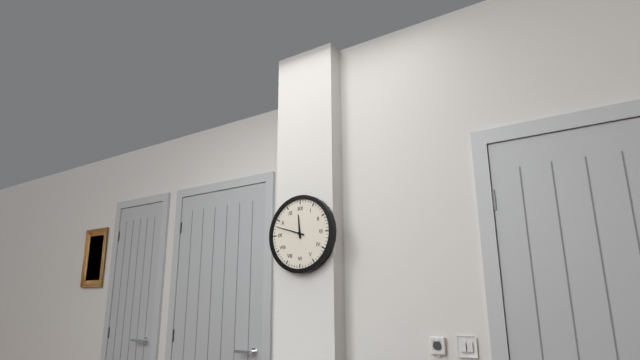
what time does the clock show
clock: 11:48
